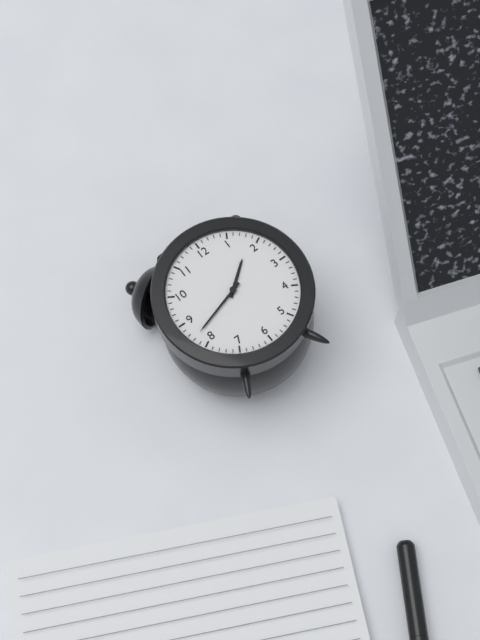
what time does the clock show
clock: 1:42
